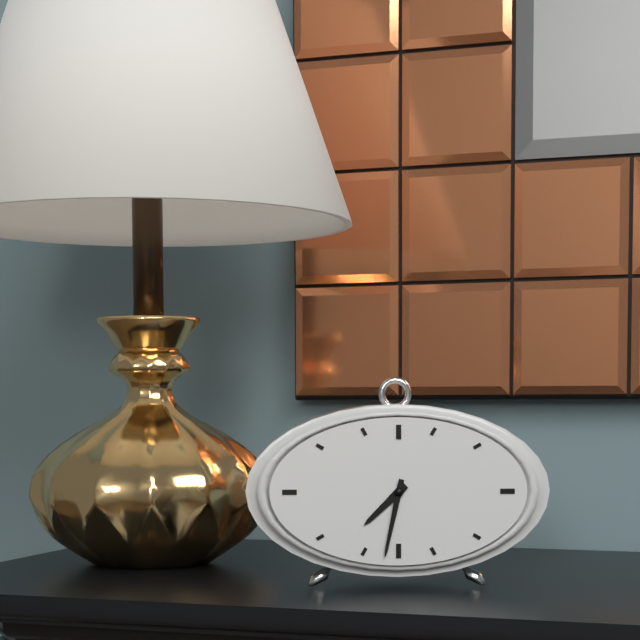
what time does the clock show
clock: 7:32
